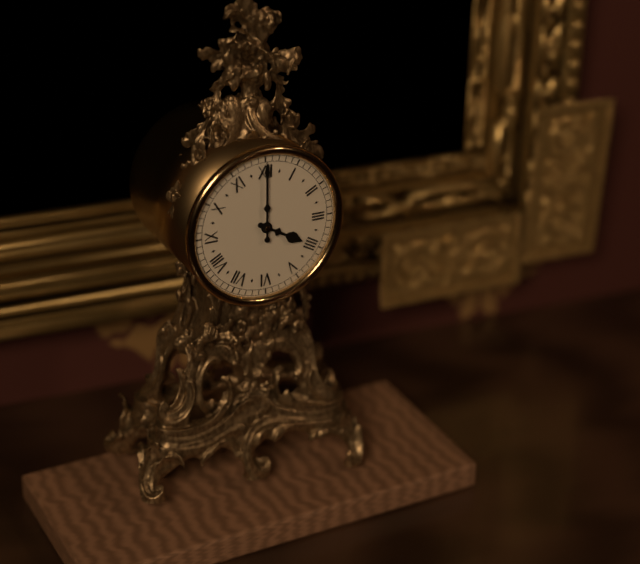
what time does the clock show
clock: 4:00
